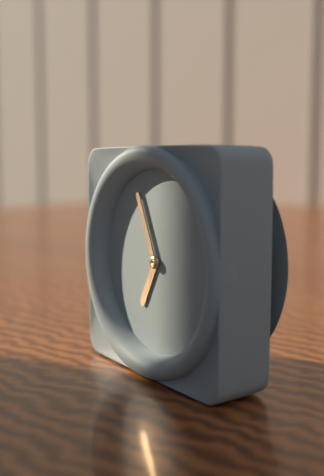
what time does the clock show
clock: 6:56
